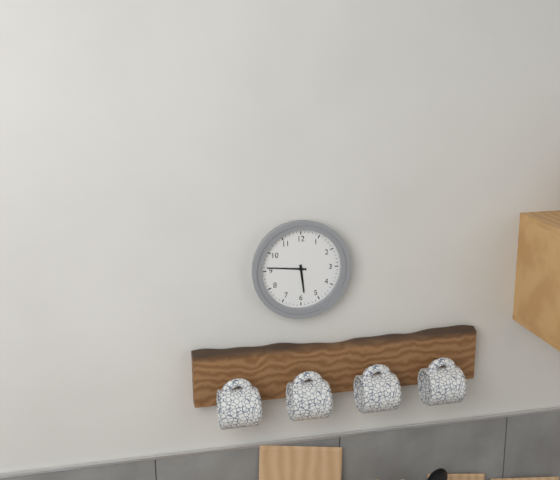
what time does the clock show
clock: 5:46
